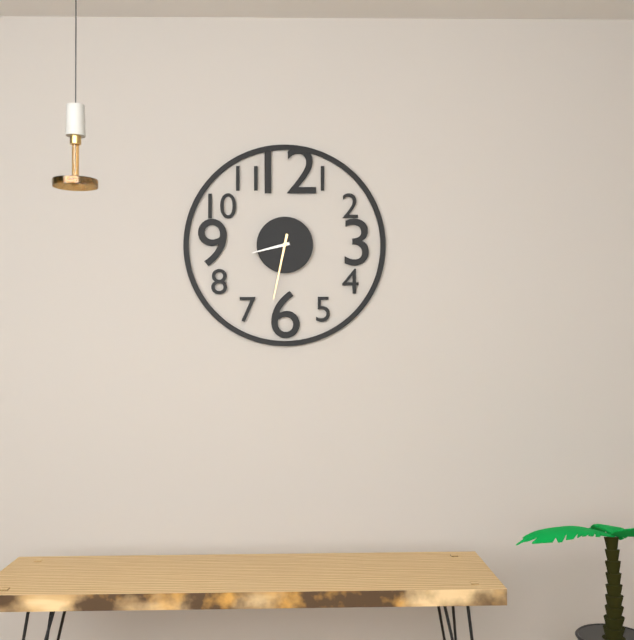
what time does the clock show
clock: 8:32
